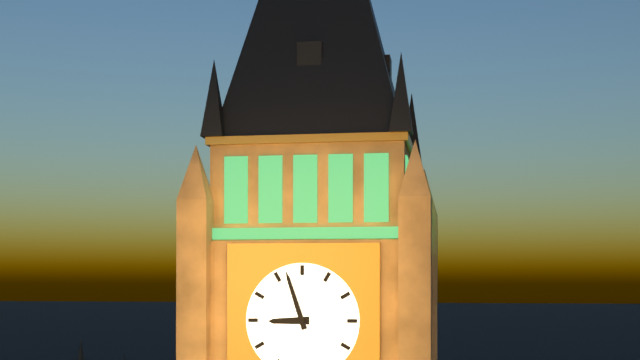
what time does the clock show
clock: 8:57
